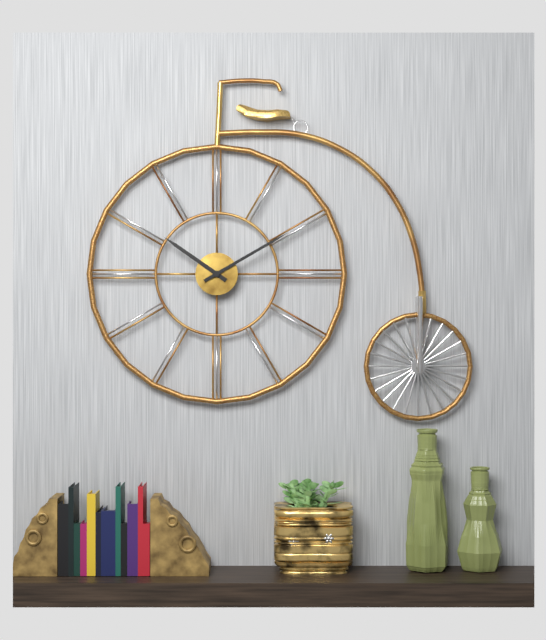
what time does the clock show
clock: 10:10
